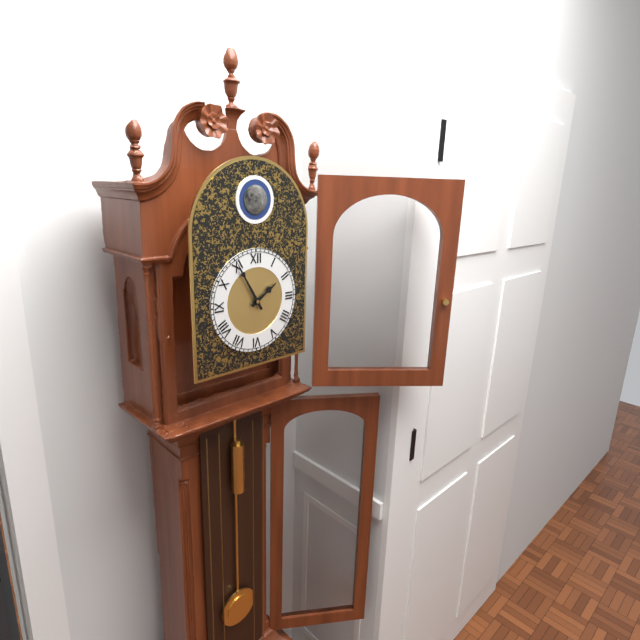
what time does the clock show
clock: 1:55
